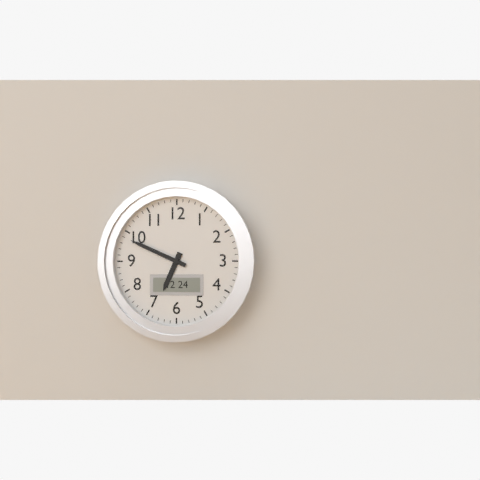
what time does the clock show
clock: 6:49
